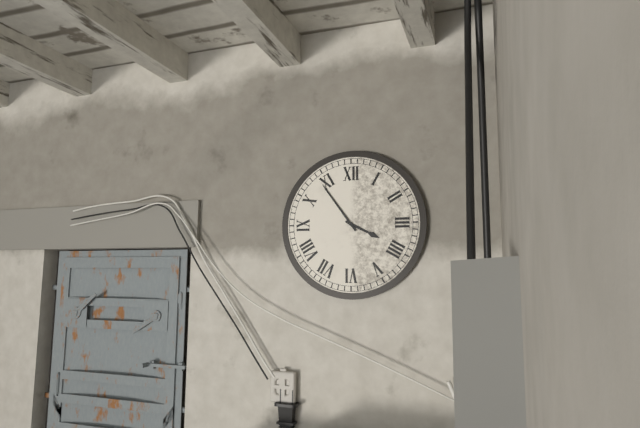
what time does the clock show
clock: 3:54
